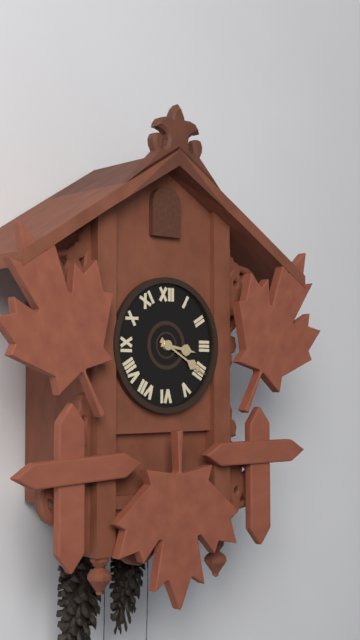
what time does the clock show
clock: 3:20
